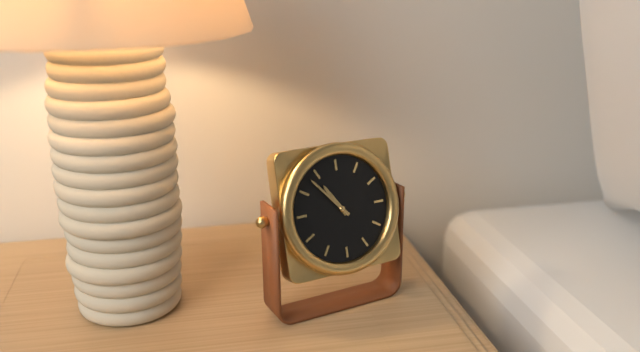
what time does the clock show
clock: 10:53
